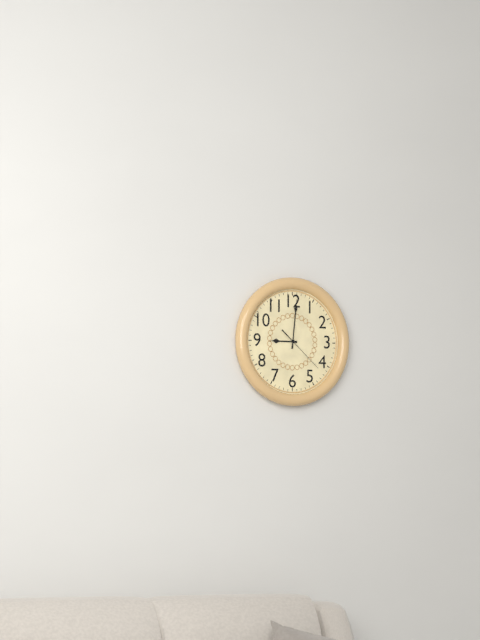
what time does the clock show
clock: 9:01
